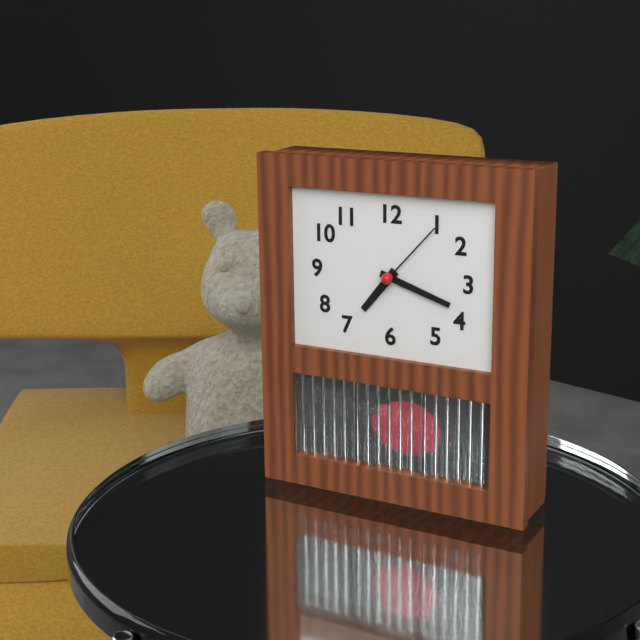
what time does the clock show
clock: 7:18:07
